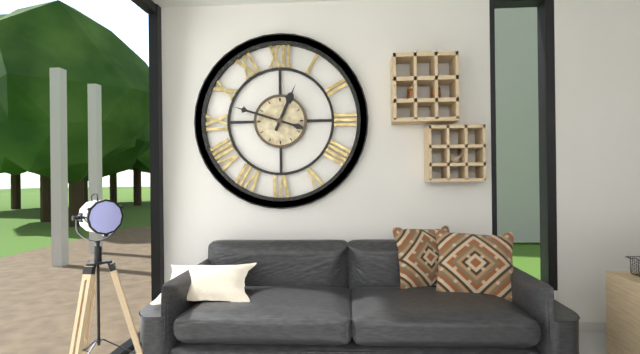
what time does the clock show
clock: 12:48
